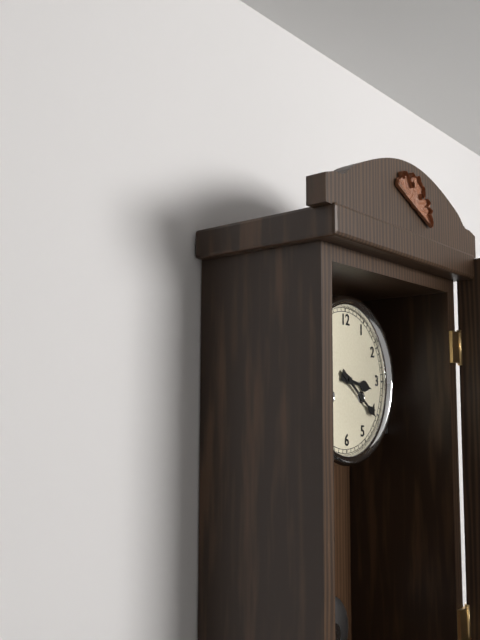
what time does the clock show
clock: 3:21
